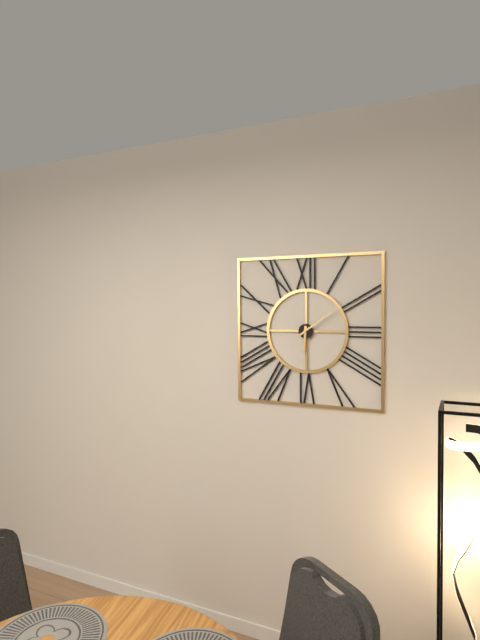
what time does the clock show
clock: 6:09
